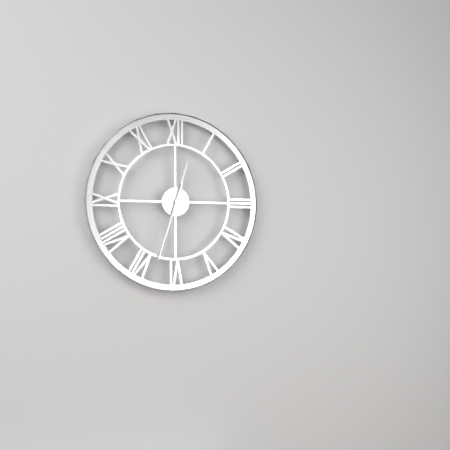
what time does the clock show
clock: 12:33
